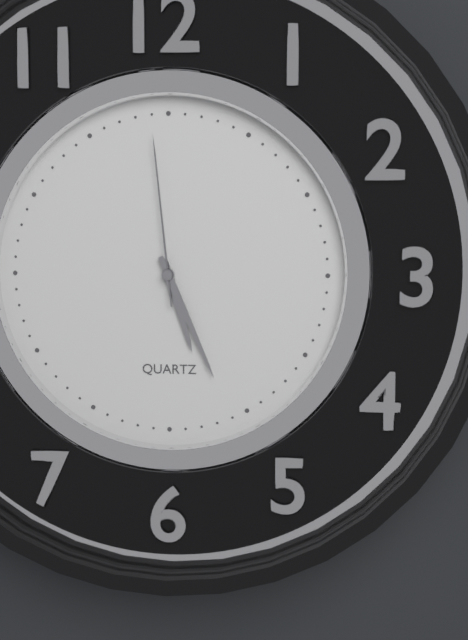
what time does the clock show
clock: 5:26:59
